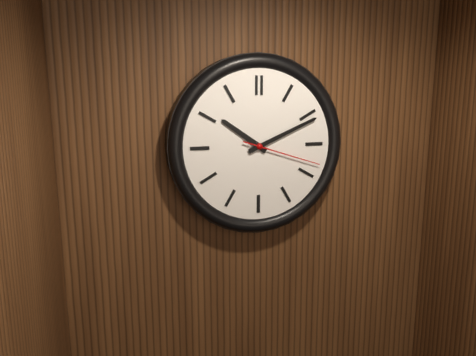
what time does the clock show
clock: 10:11:18
